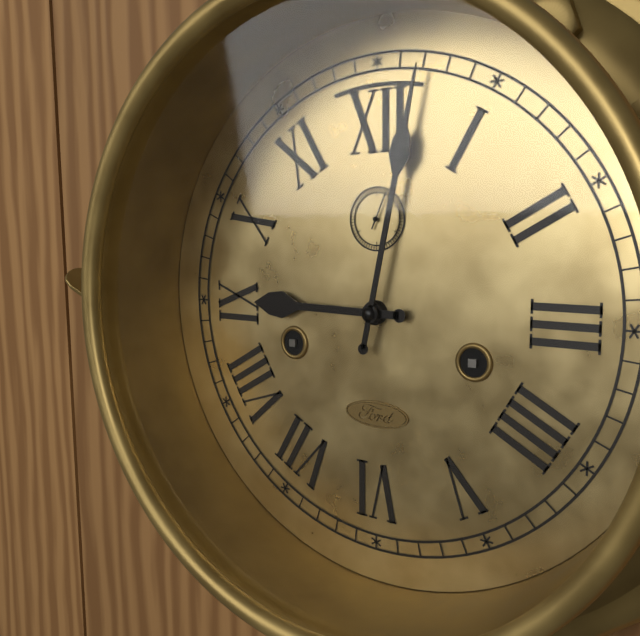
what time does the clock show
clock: 9:02
